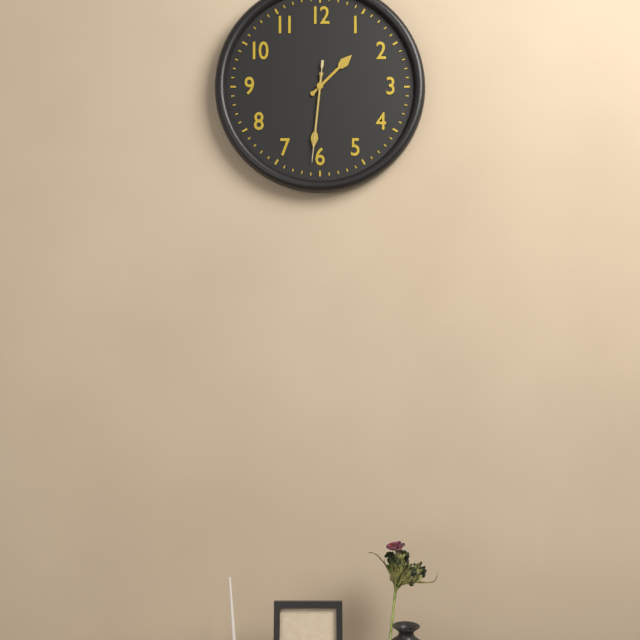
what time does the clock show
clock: 1:31:31
